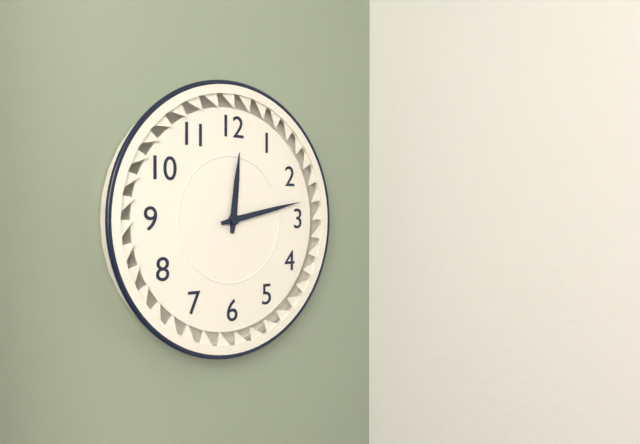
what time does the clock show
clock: 12:13
